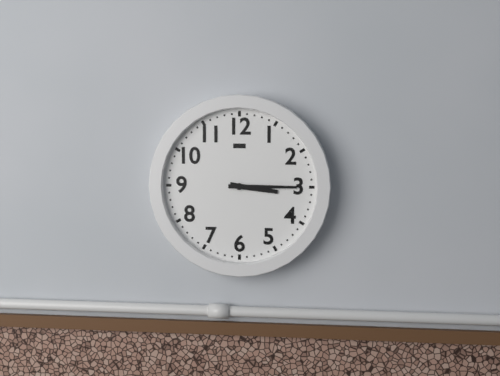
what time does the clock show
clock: 3:15
